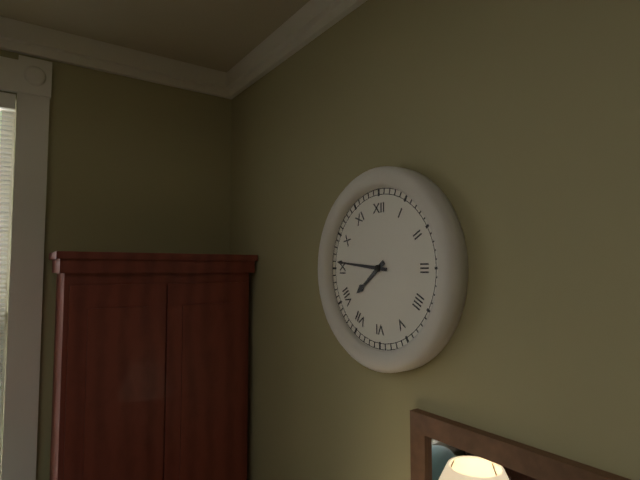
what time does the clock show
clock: 7:46
